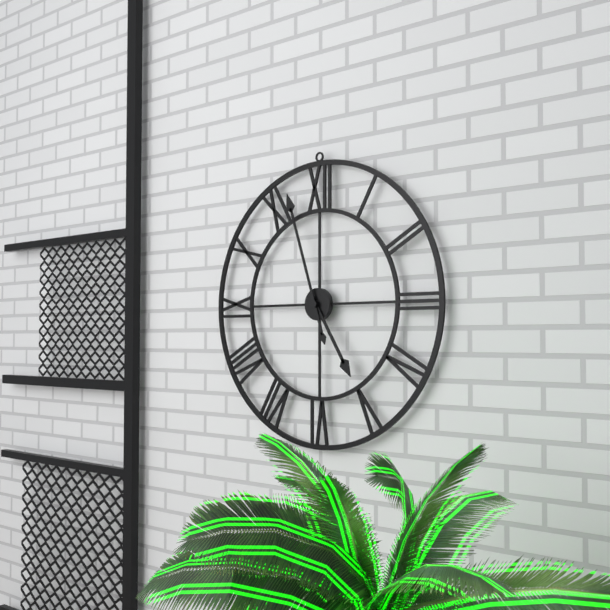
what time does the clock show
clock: 4:57
